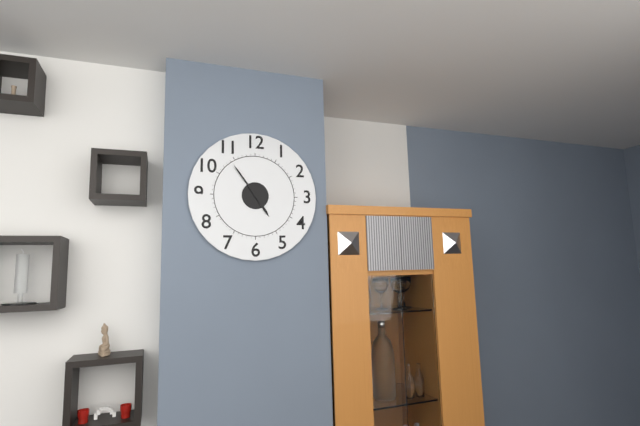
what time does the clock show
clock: 4:54
